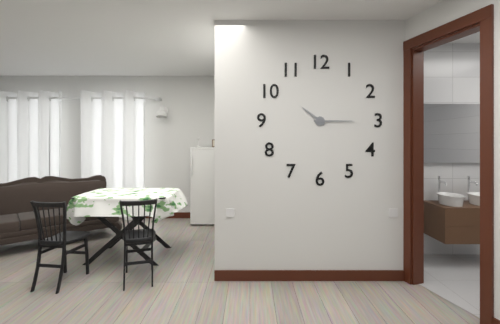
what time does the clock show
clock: 10:15
